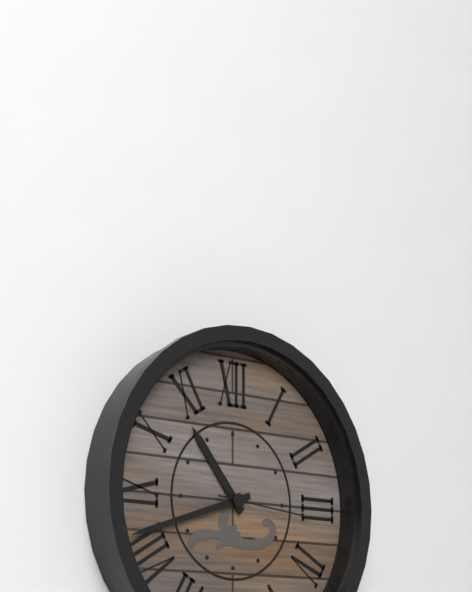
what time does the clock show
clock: 10:42:16
